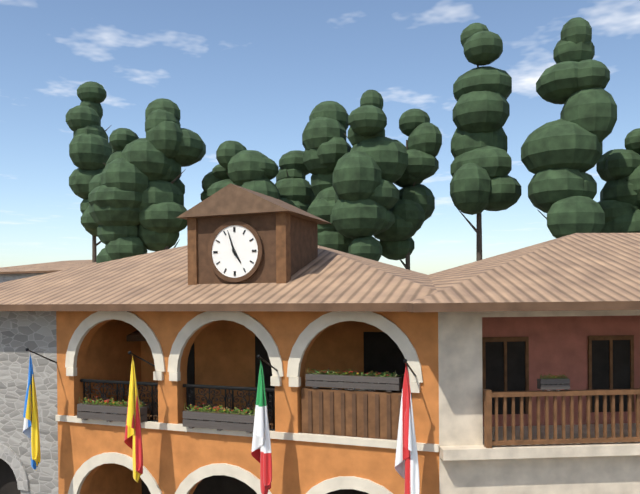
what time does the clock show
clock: 4:57
